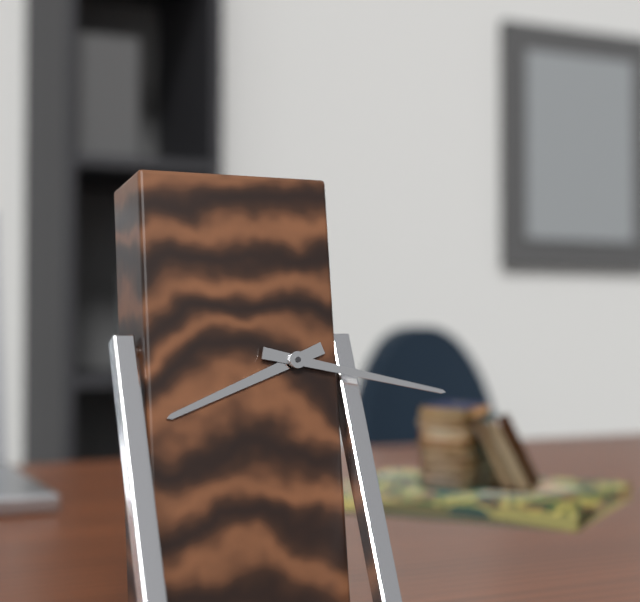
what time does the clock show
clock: 8:17
